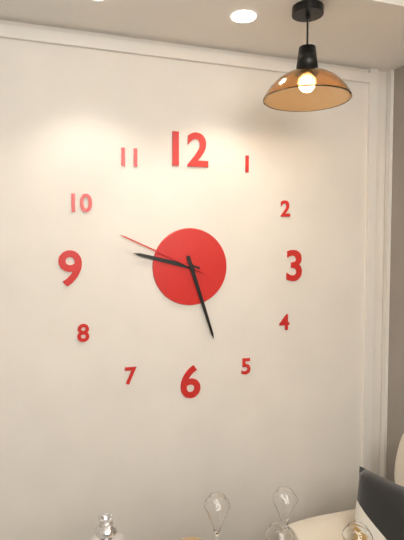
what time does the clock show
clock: 9:27:49
